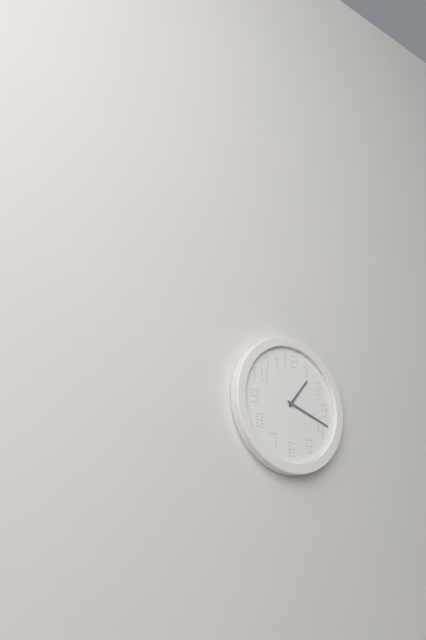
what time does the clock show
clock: 1:18
